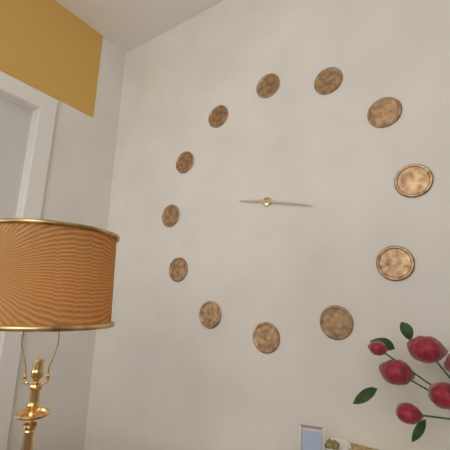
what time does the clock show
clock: 9:17
